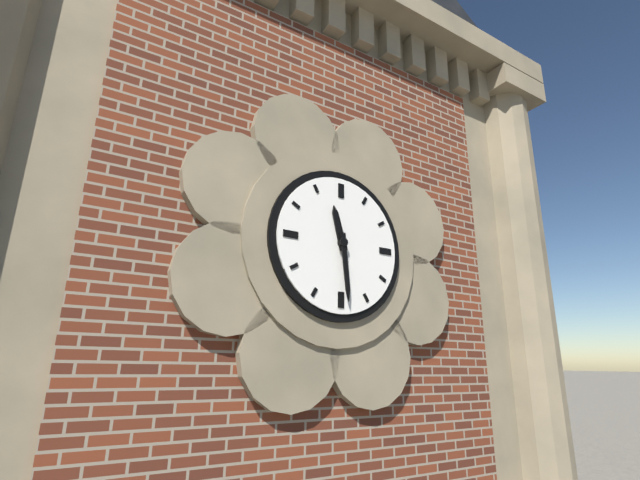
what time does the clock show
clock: 11:29
